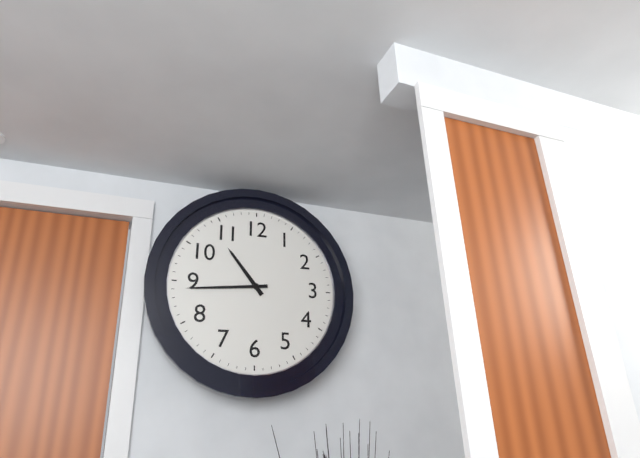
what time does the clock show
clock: 10:44
